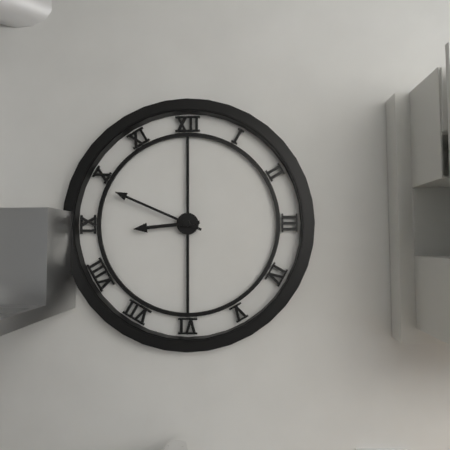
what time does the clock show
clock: 8:49
